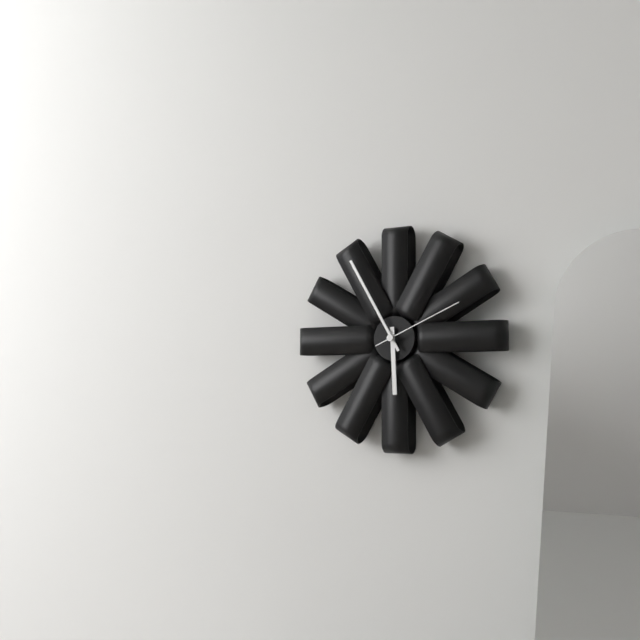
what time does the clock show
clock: 5:55:11
